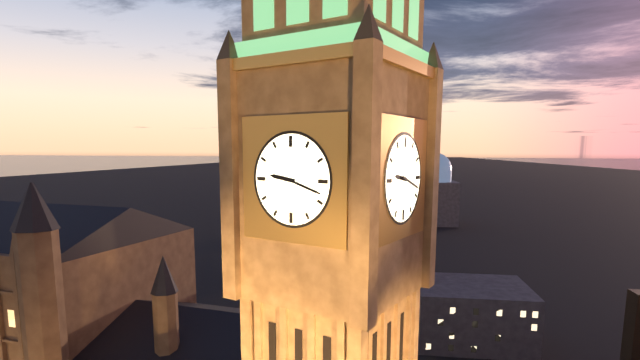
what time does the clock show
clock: 9:18
